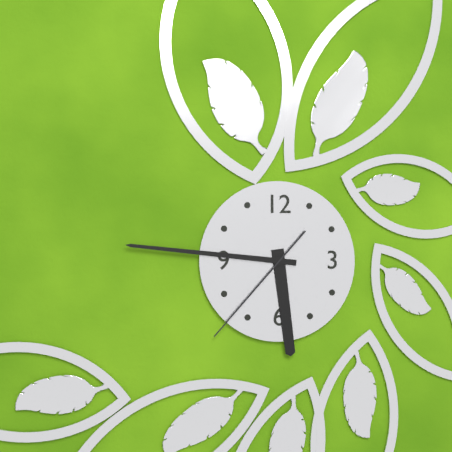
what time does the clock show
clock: 5:46:37
